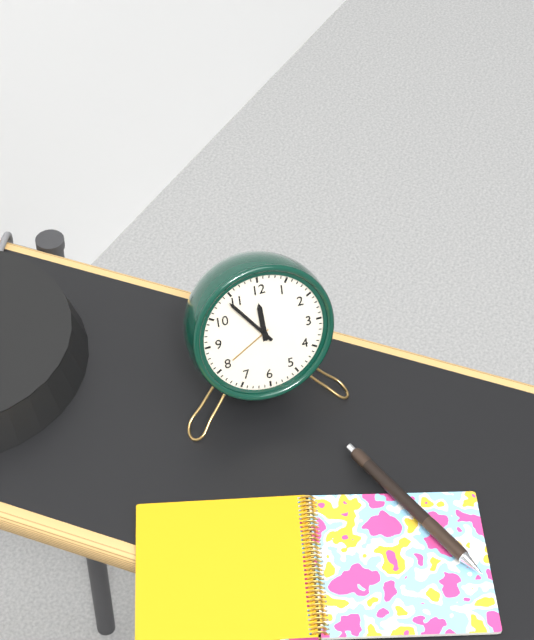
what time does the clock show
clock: 11:54
